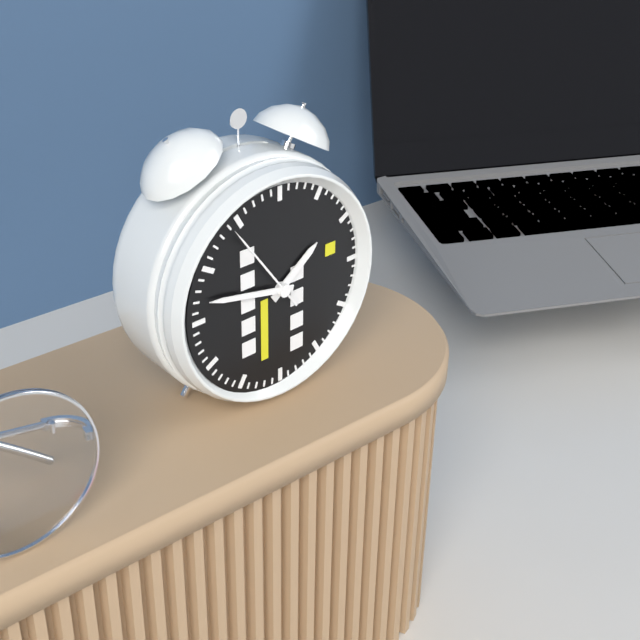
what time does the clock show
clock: 1:47:54
